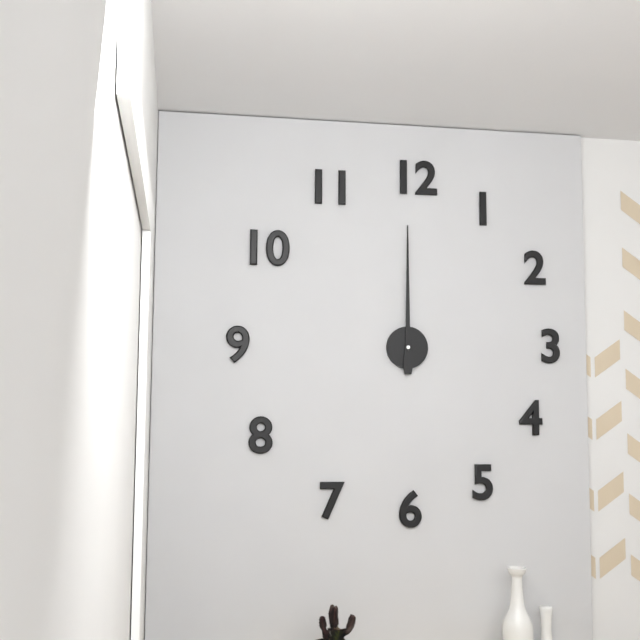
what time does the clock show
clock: 12:00
